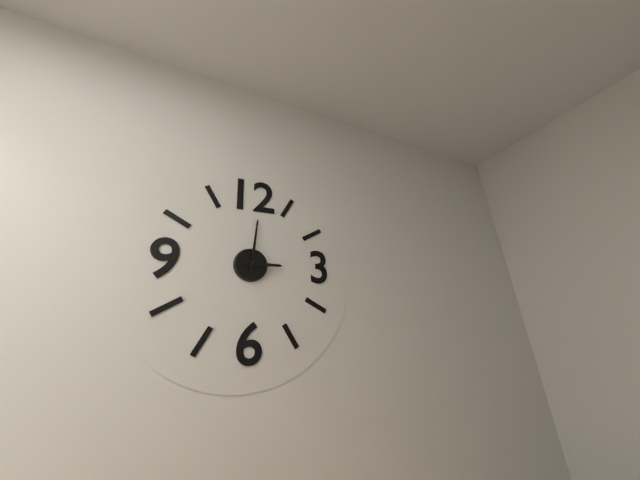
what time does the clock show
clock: 3:01
